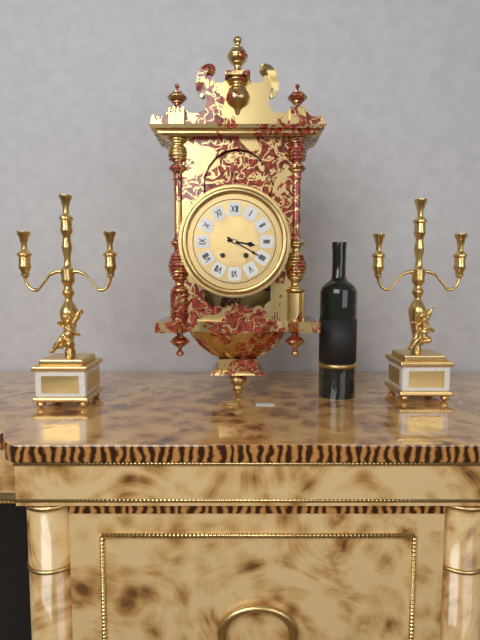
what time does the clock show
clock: 3:20
